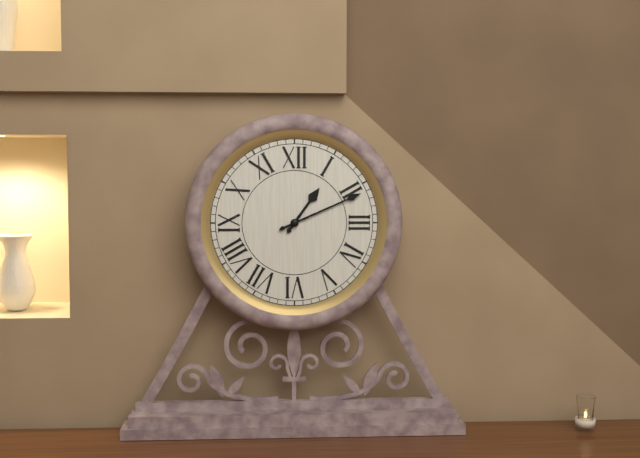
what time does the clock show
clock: 1:11
